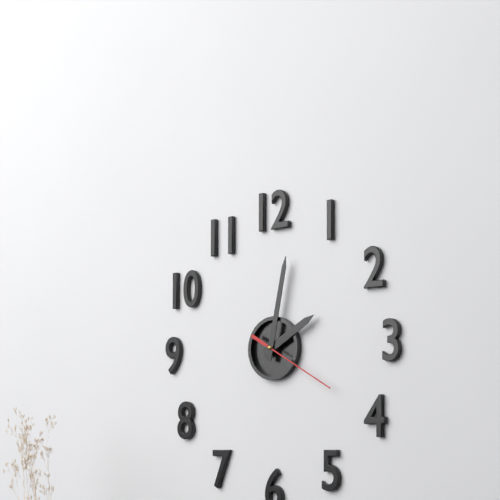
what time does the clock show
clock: 2:02:20
